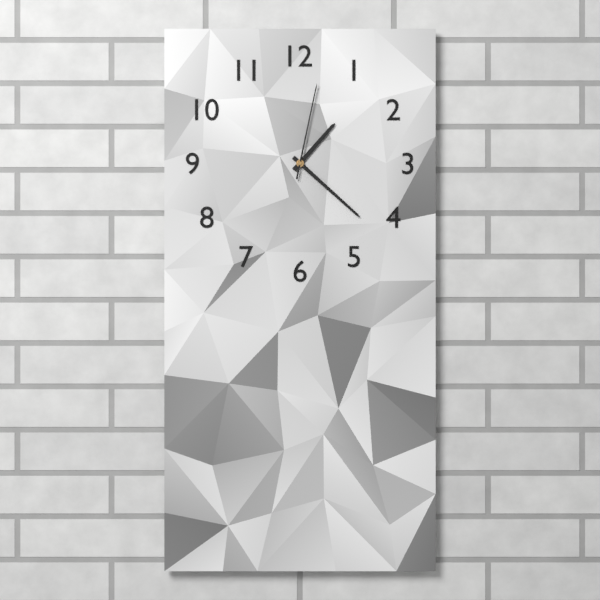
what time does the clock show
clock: 1:22:02
